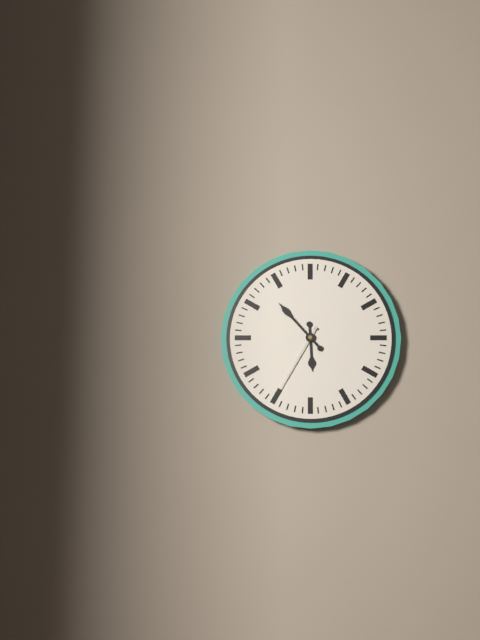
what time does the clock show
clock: 5:53:35
